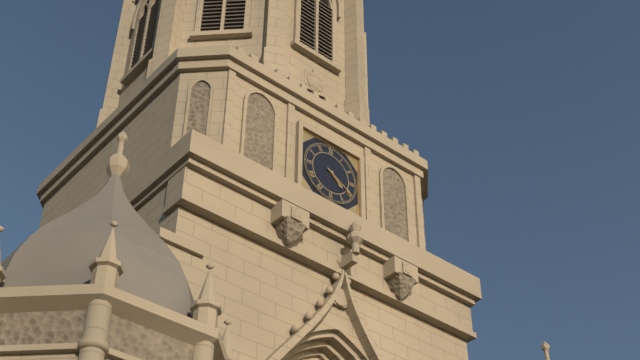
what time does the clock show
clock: 4:20
